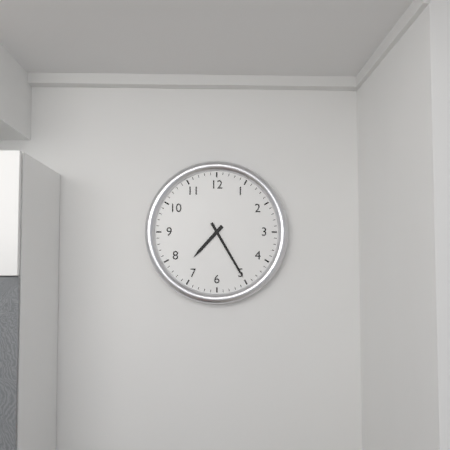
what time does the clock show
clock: 7:25
